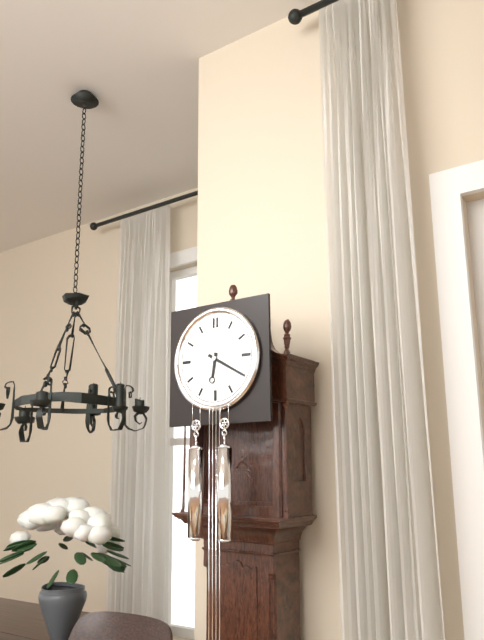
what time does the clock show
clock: 6:20
